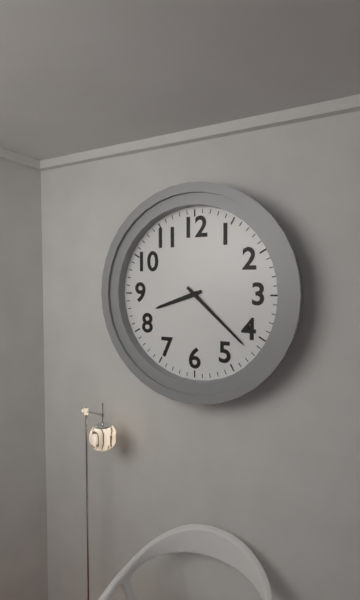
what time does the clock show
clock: 8:22
